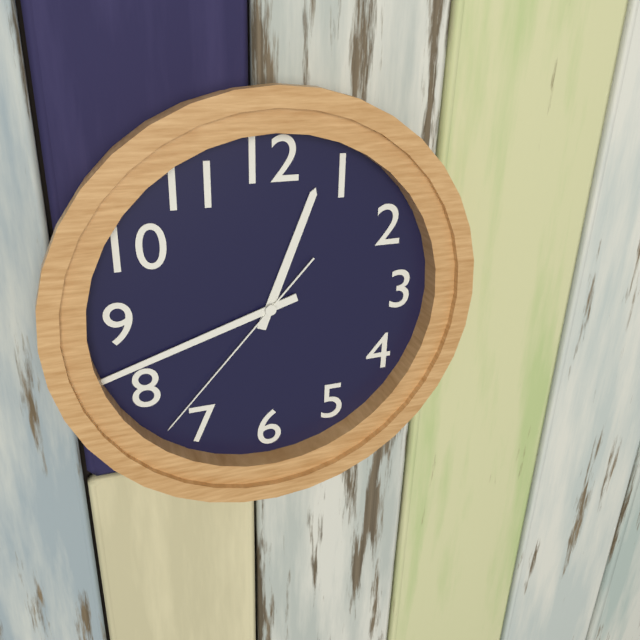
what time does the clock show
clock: 12:42:37
